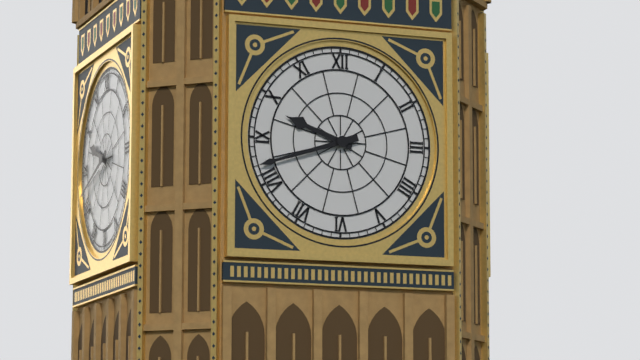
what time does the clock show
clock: 9:42
